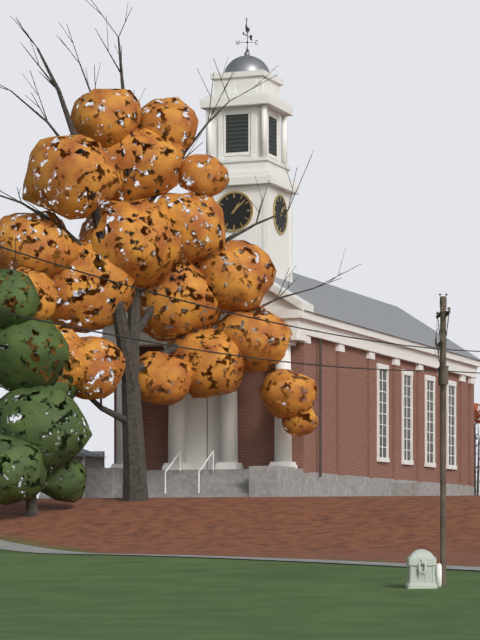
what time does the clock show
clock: 1:08
